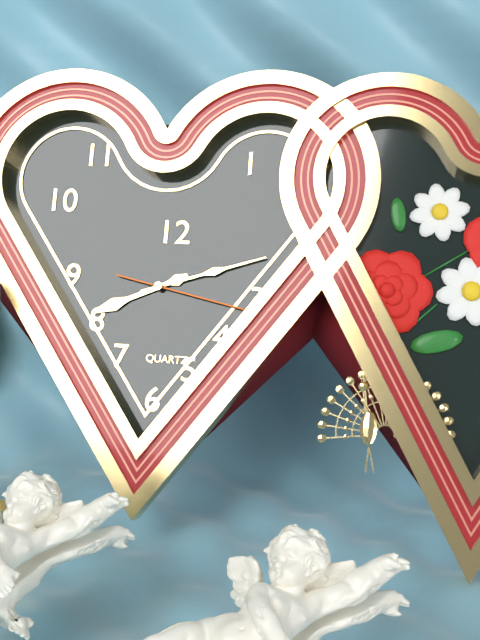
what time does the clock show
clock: 8:12:17
